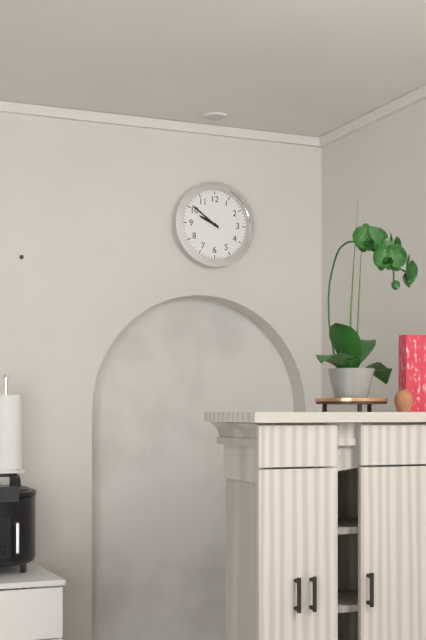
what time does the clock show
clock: 9:51
